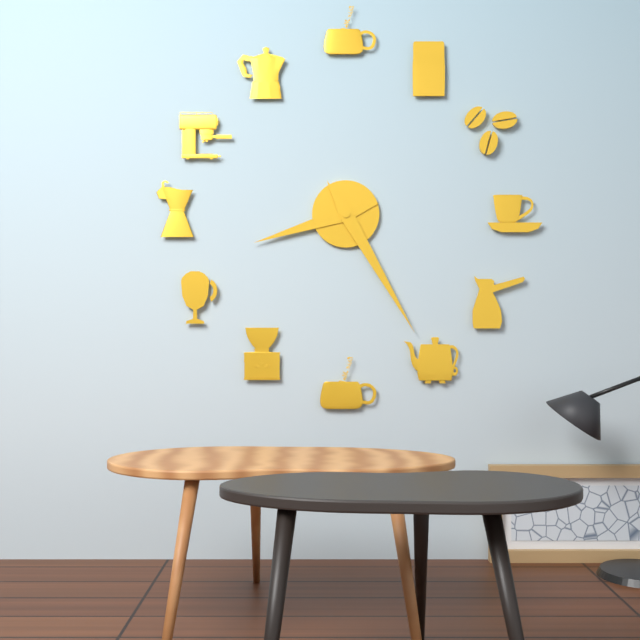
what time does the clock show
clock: 8:25
